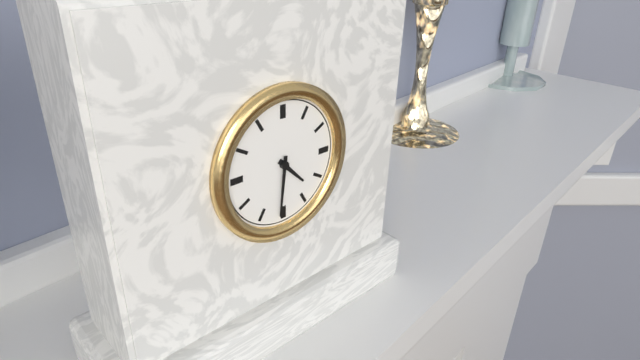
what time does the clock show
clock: 4:31
